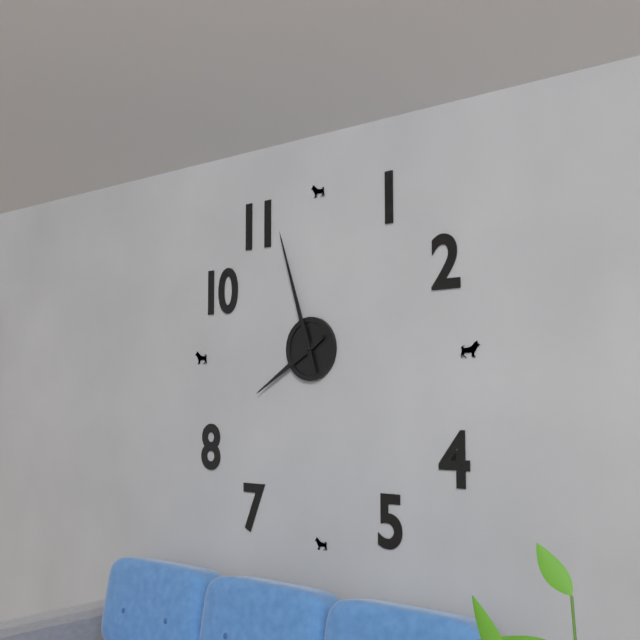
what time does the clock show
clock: 7:57
